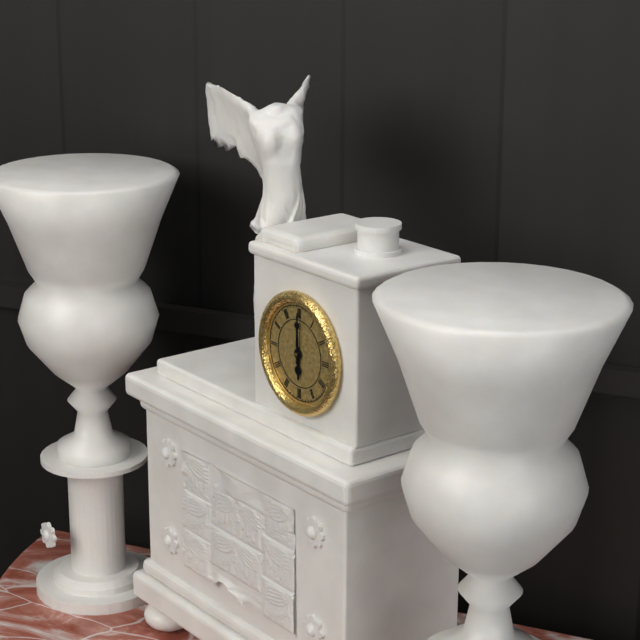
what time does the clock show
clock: 6:00
